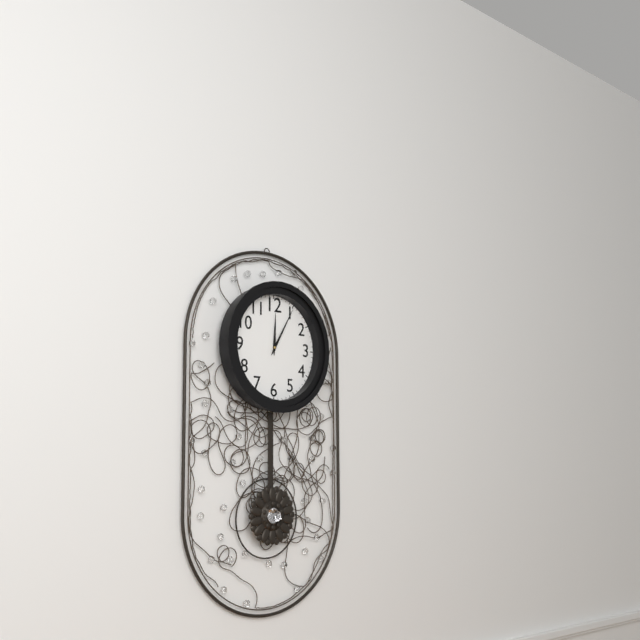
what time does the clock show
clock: 12:05
